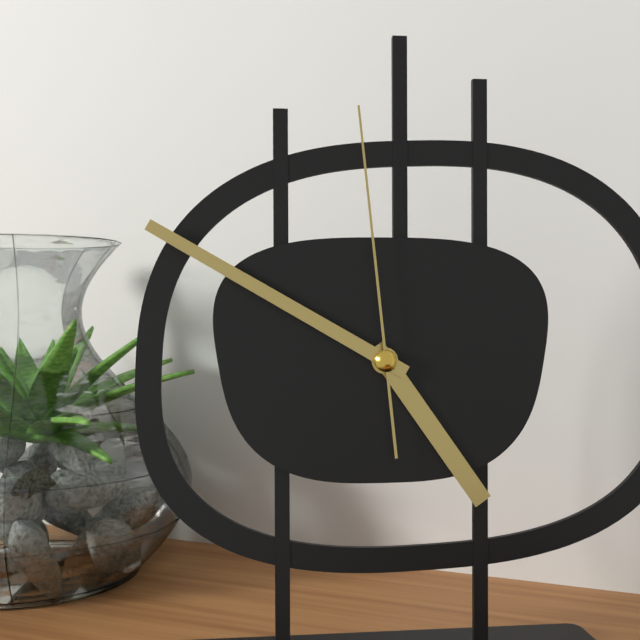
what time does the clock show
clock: 4:50:59
